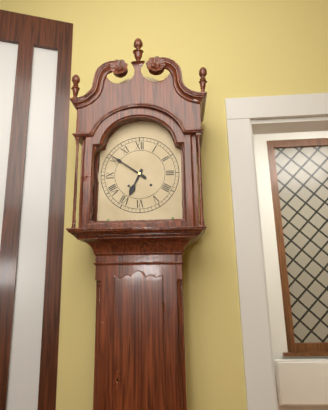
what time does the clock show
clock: 6:51
